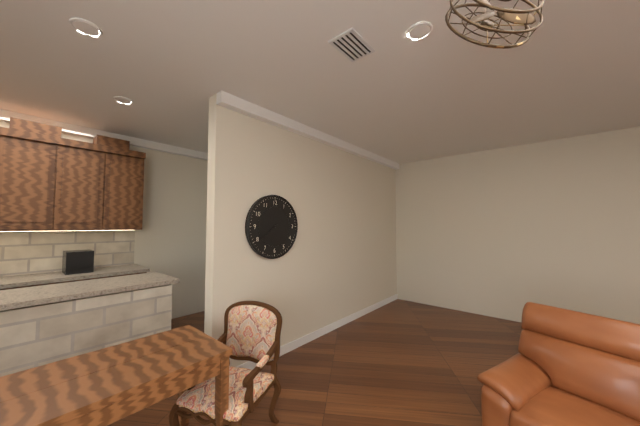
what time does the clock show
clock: 7:39
